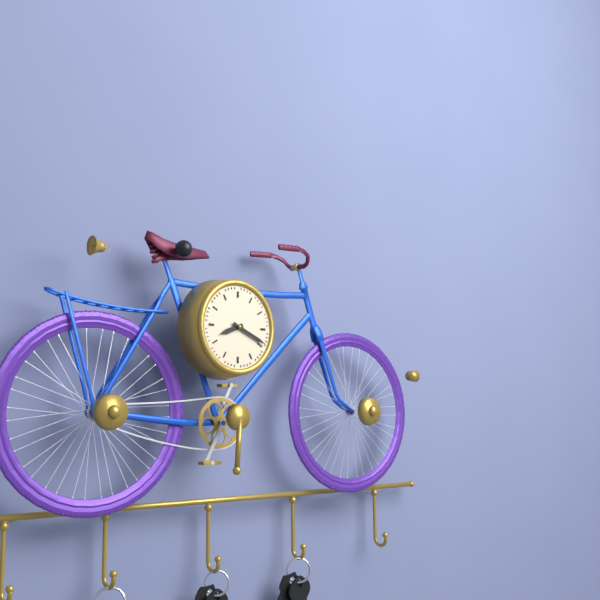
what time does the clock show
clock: 8:19
